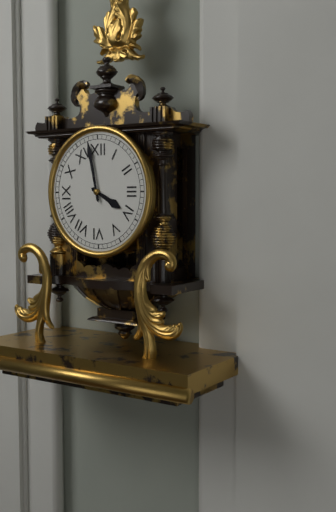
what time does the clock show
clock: 3:58
